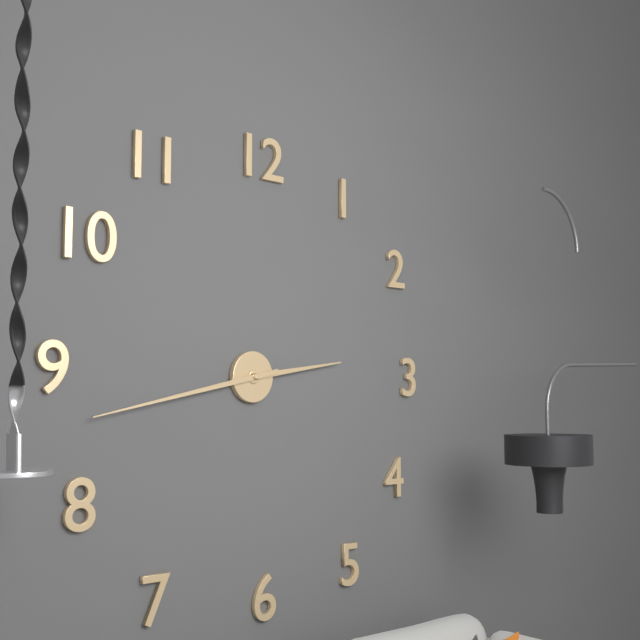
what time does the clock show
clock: 2:43
